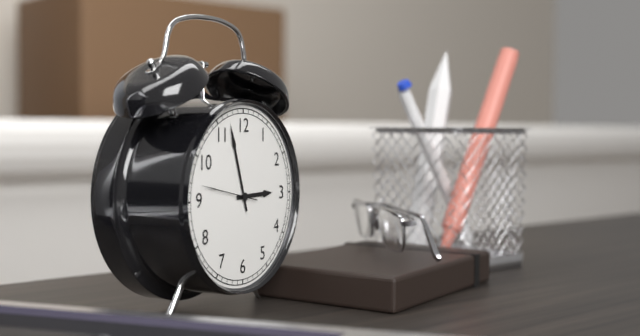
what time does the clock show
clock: 2:57:47
